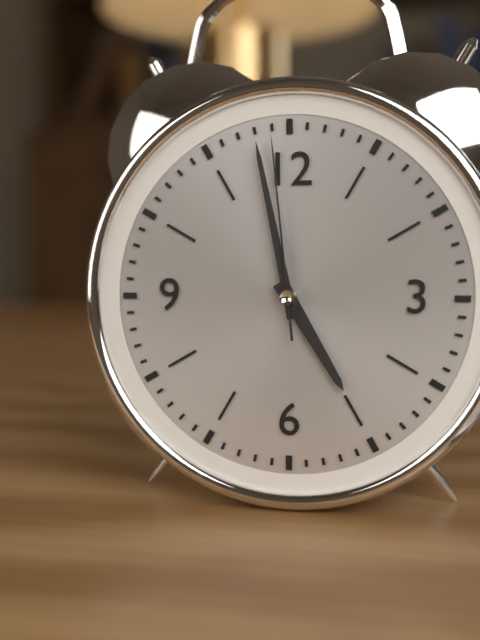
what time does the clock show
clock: 4:58:59
